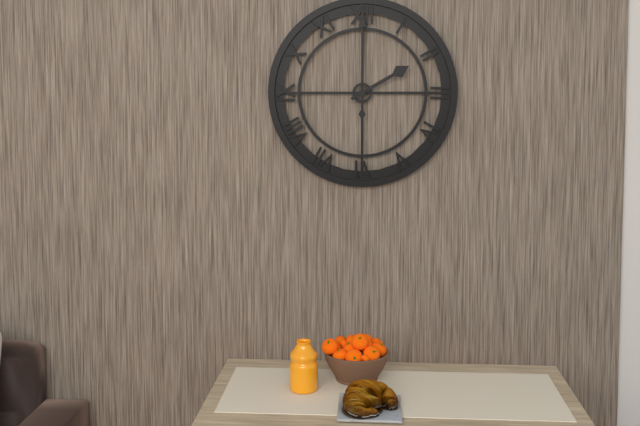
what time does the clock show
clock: 2:00
